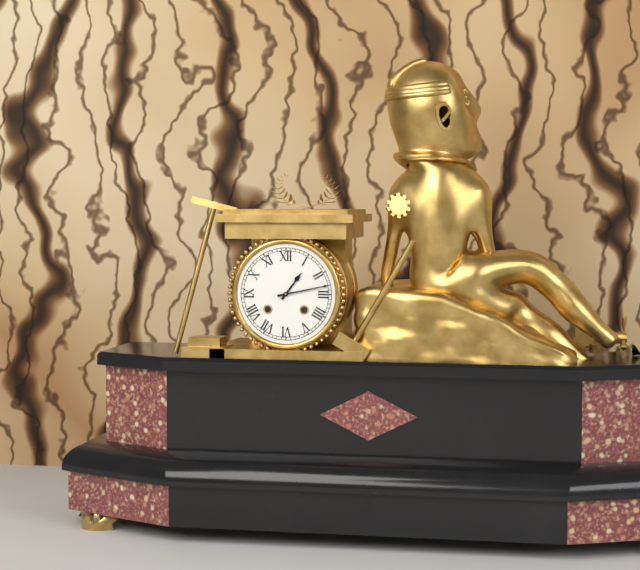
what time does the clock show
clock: 1:13
